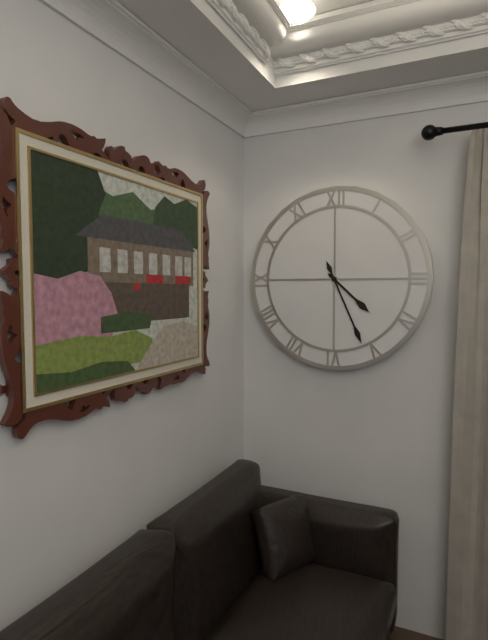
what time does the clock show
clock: 4:26
